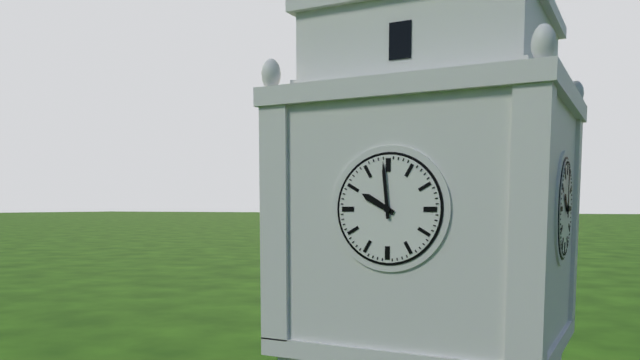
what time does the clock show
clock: 9:59
